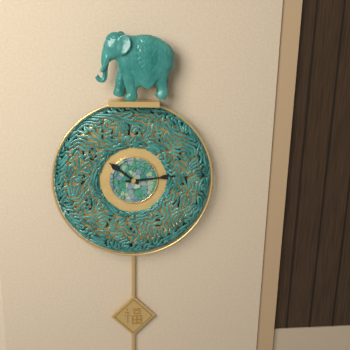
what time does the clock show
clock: 10:14
